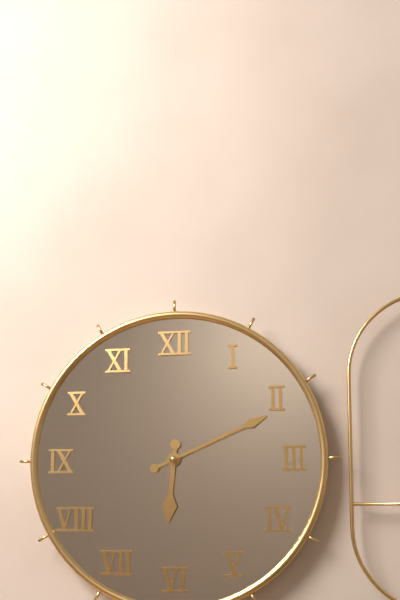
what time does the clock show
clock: 6:11
